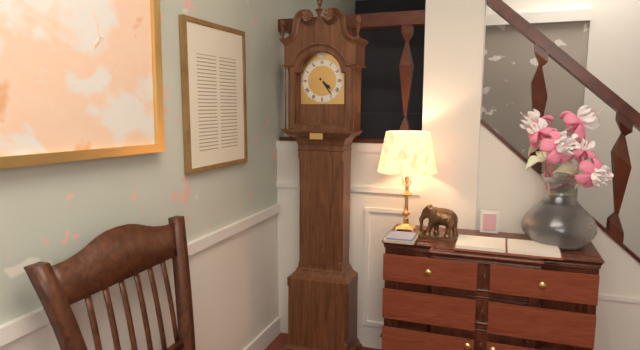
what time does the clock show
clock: 4:24
